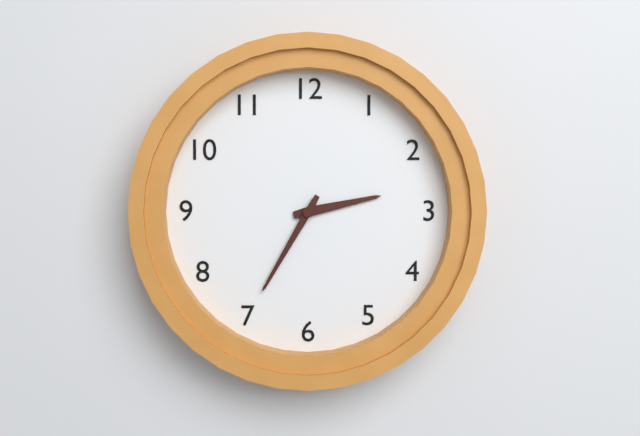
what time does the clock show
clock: 2:35
